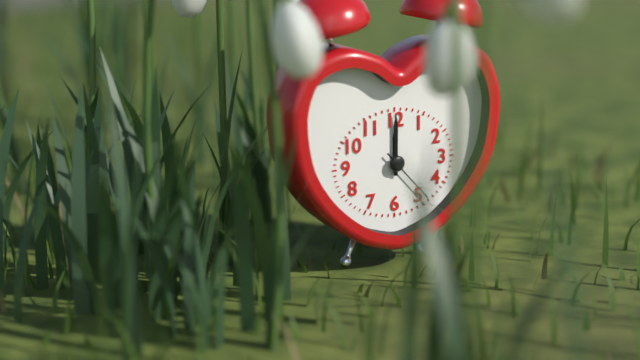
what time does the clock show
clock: 12:00
